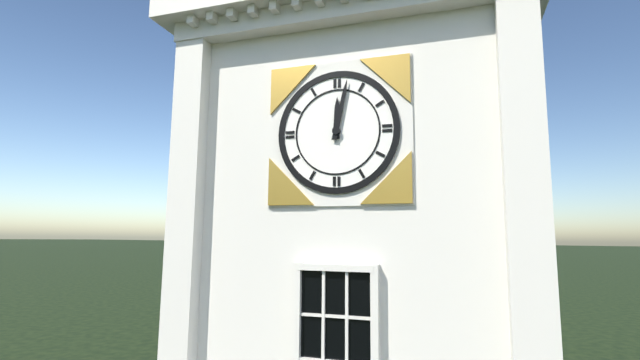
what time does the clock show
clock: 12:02
